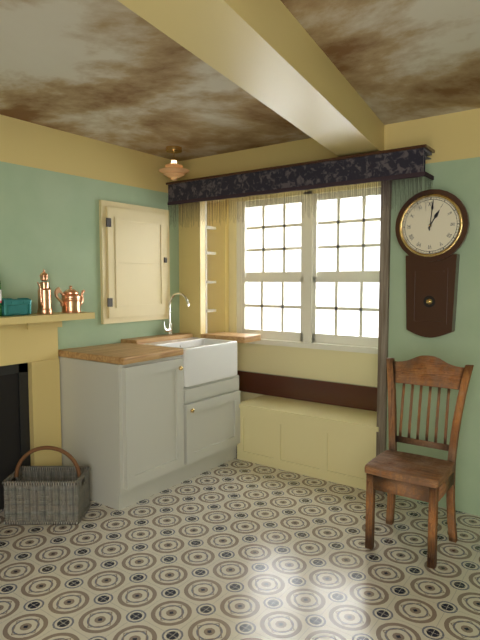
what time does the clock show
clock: 1:01
